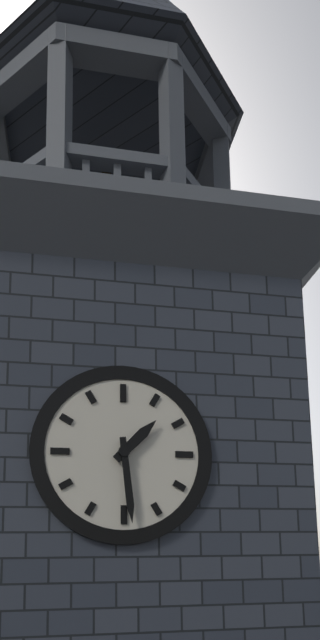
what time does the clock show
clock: 1:29
